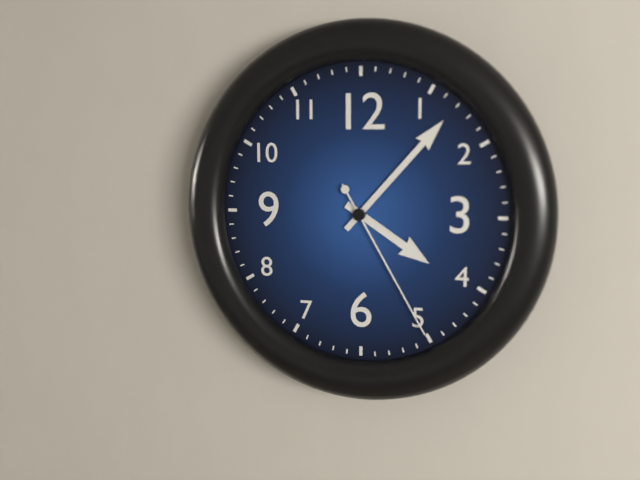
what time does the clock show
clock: 4:07:25
